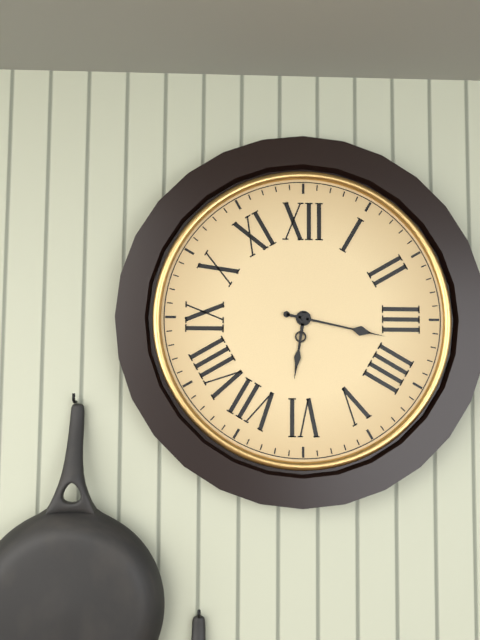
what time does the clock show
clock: 6:17
